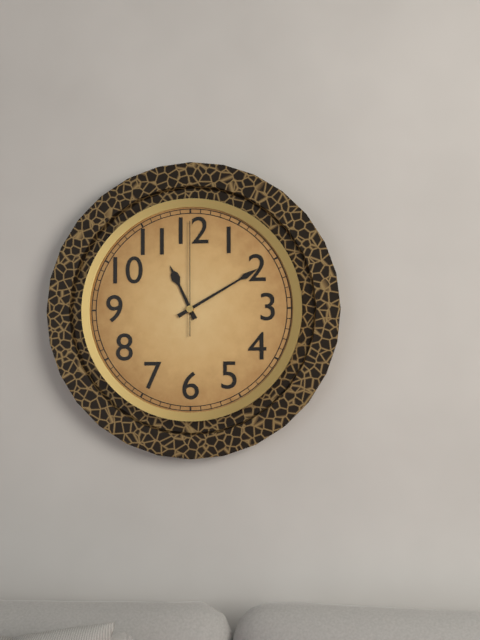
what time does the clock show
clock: 11:10:00
